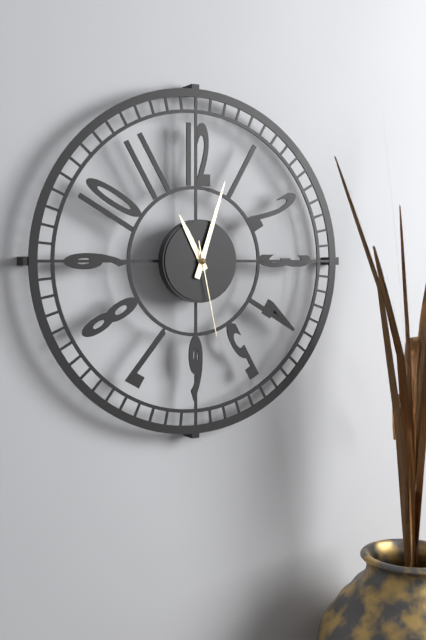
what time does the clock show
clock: 11:03:28
